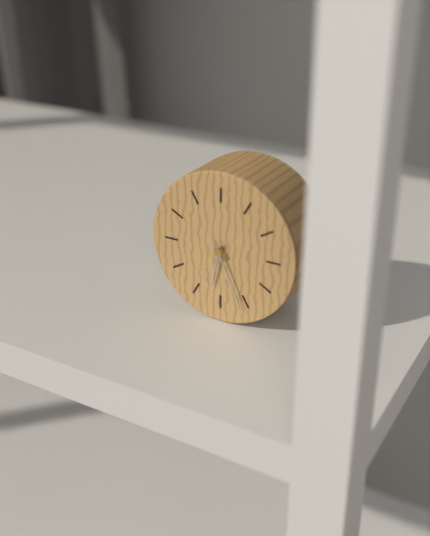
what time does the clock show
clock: 6:26
